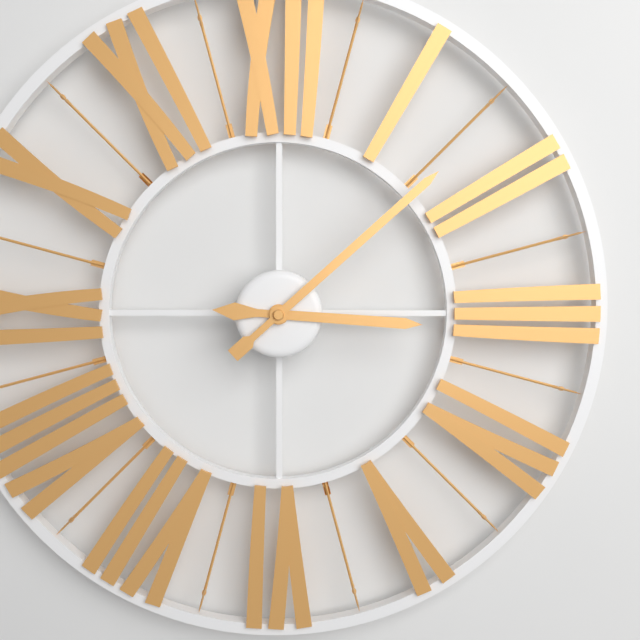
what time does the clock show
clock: 3:08
